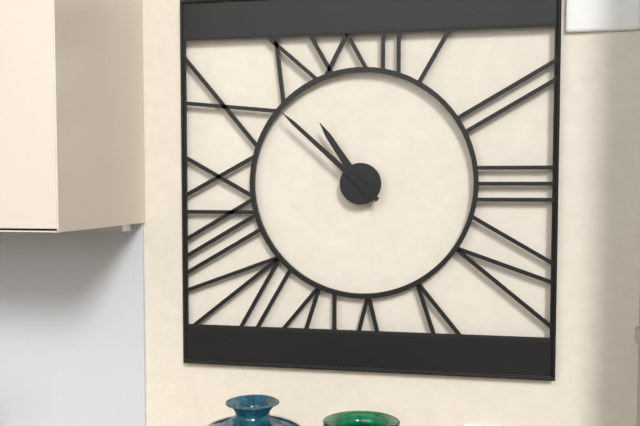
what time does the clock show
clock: 10:52
